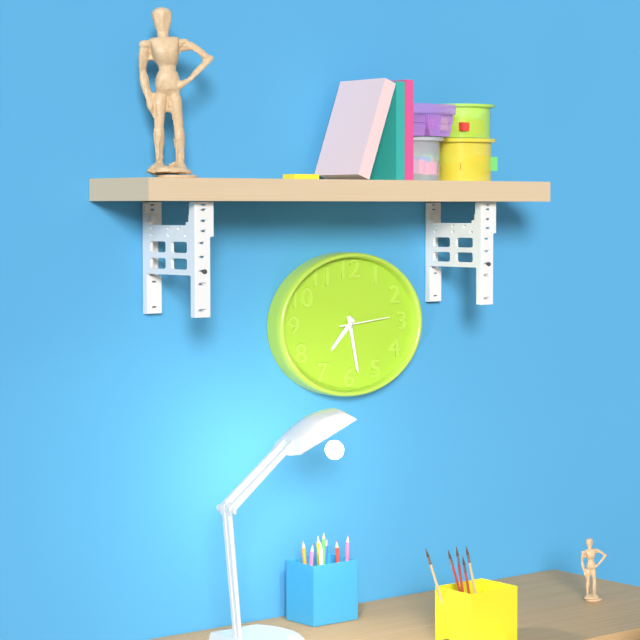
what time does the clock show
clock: 7:28
